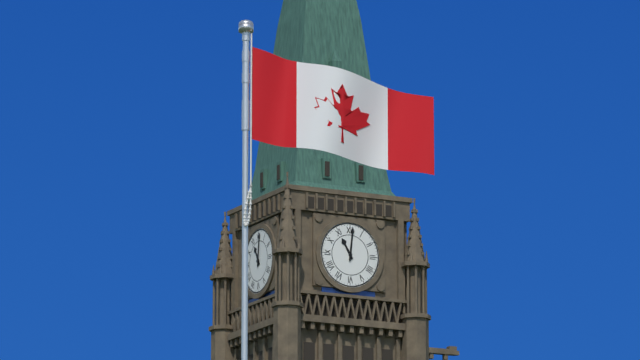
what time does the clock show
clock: 11:01
